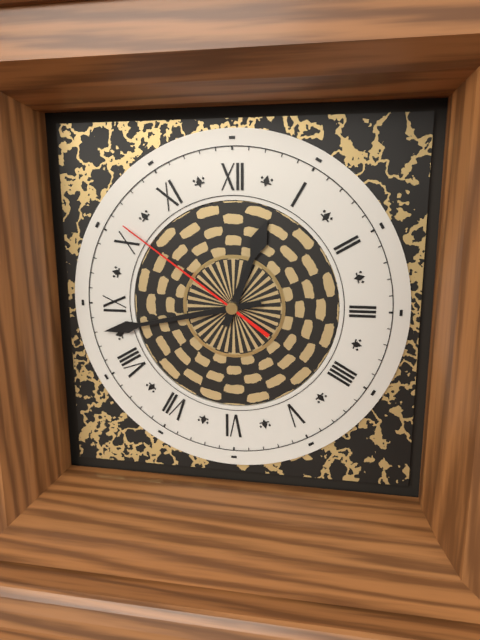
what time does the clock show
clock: 12:43:51
